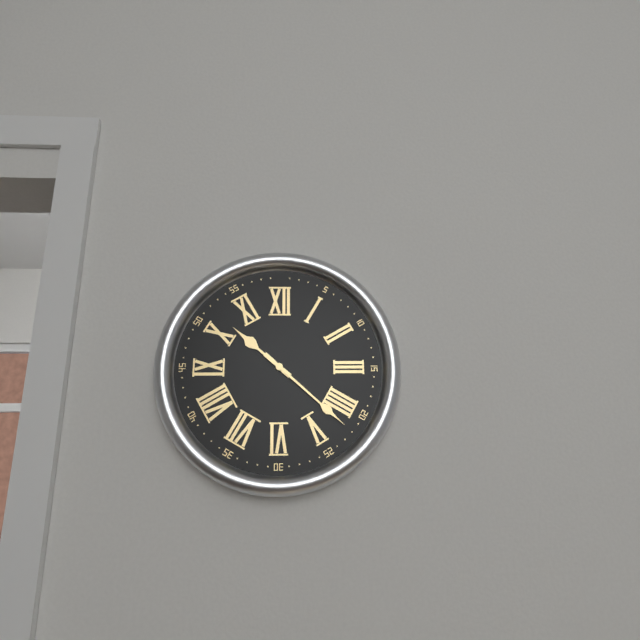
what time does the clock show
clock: 10:22
